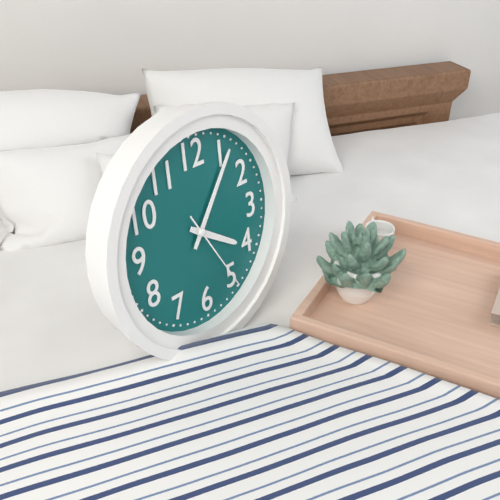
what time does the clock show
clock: 4:06:25
